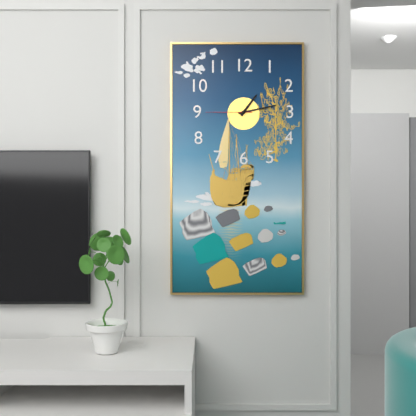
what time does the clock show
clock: 1:13
